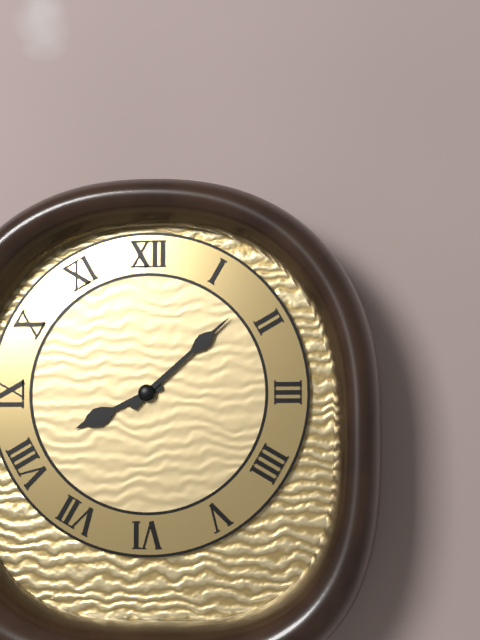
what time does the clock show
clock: 8:08
